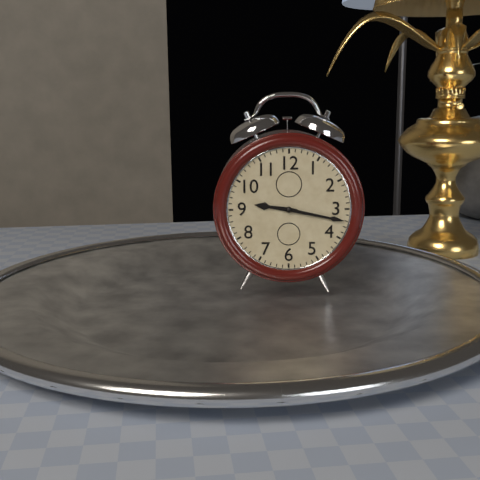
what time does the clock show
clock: 9:17
